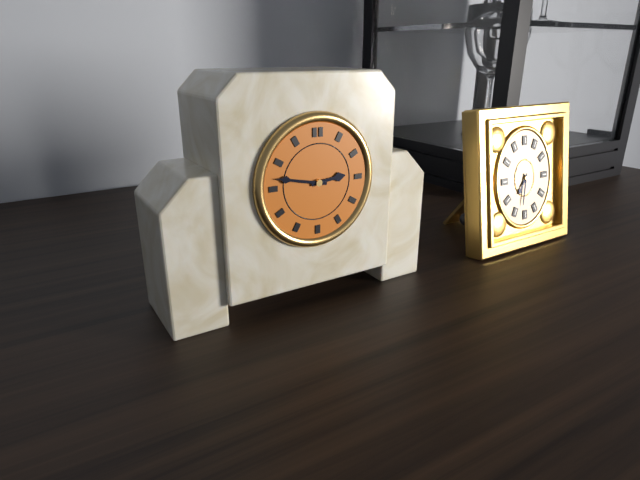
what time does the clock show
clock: 2:47
